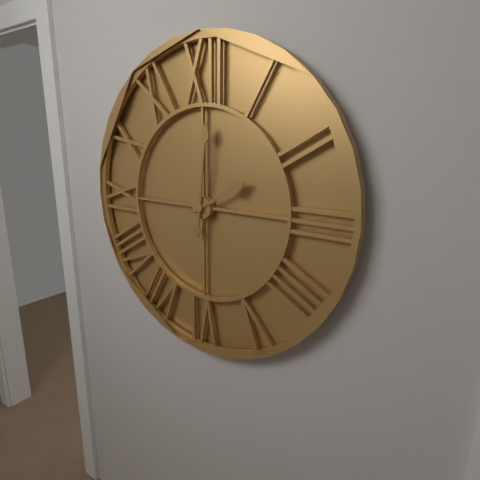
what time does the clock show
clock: 2:01
